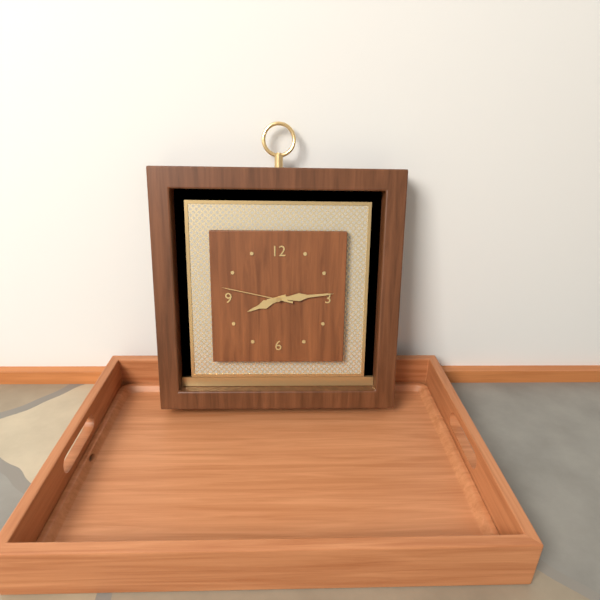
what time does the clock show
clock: 8:14:47
